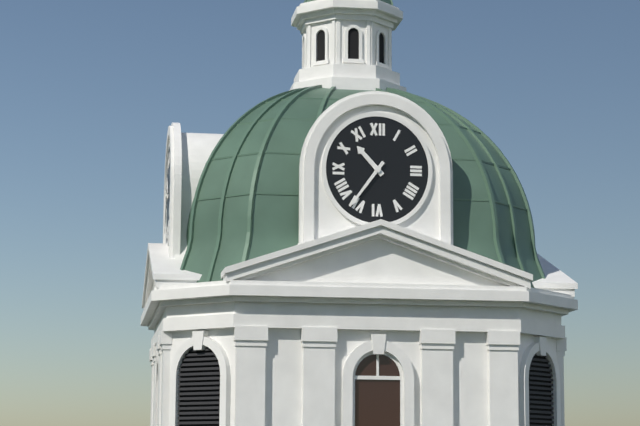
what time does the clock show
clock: 10:36
